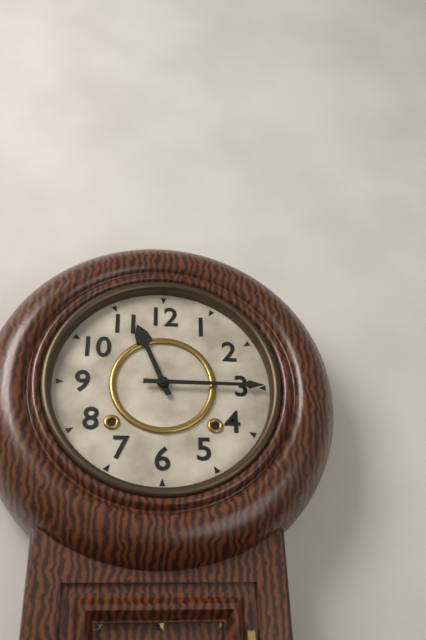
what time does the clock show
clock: 11:15
